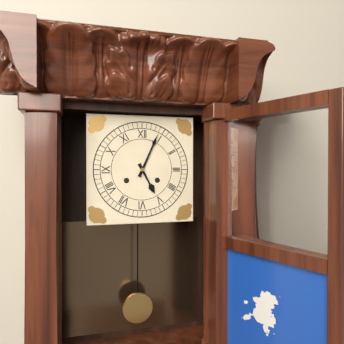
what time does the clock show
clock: 5:04
